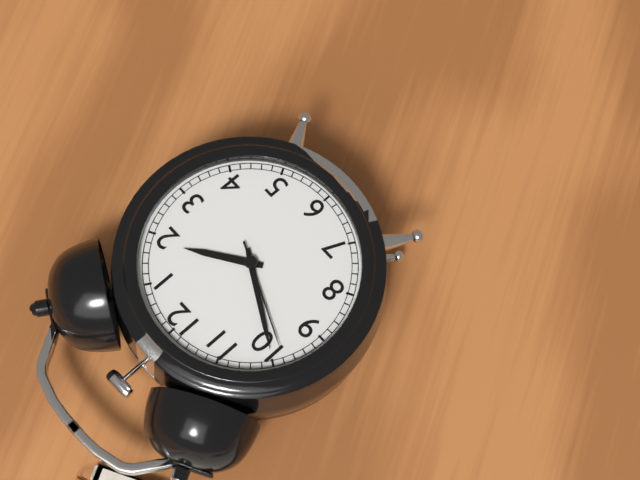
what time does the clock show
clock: 1:50:49
